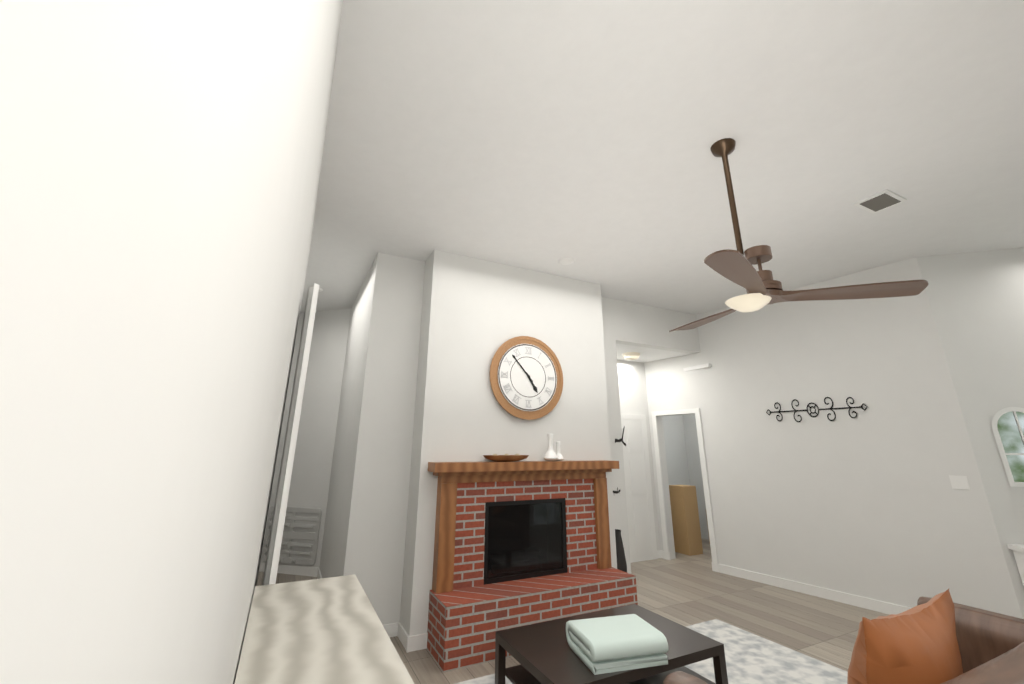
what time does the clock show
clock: 4:53
